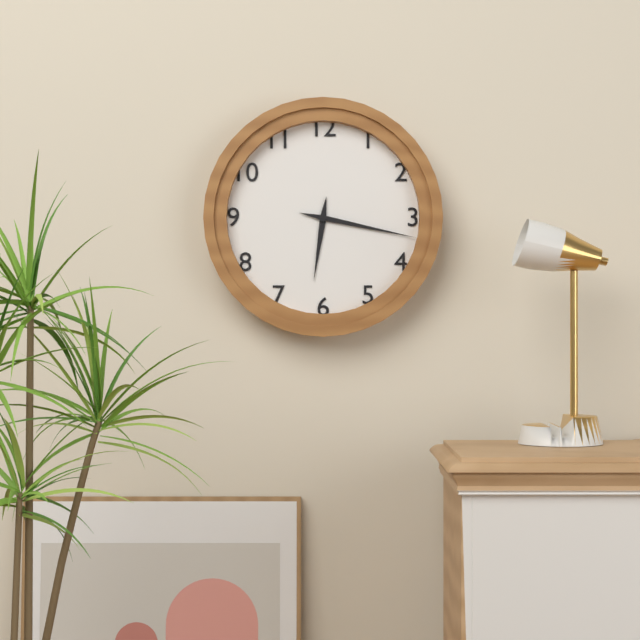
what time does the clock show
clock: 6:17
